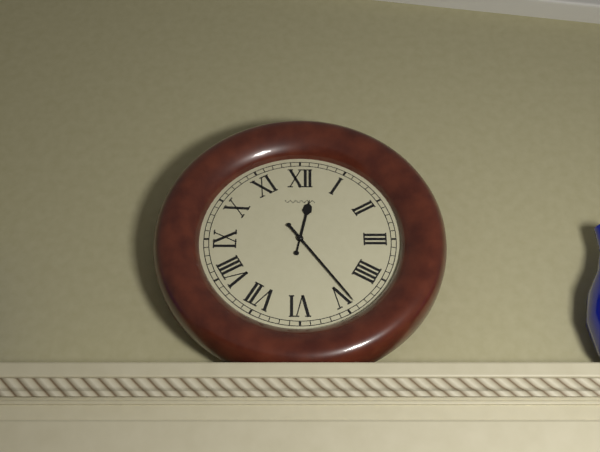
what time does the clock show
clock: 12:24
